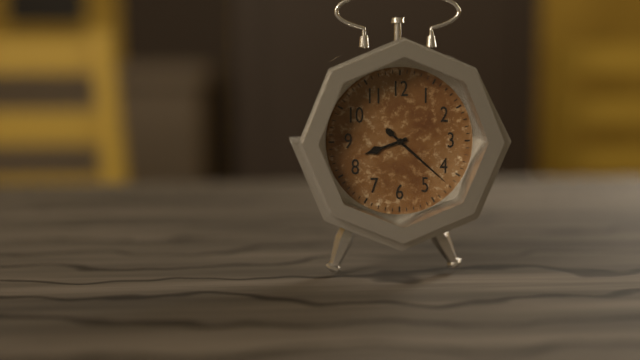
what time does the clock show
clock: 8:22
